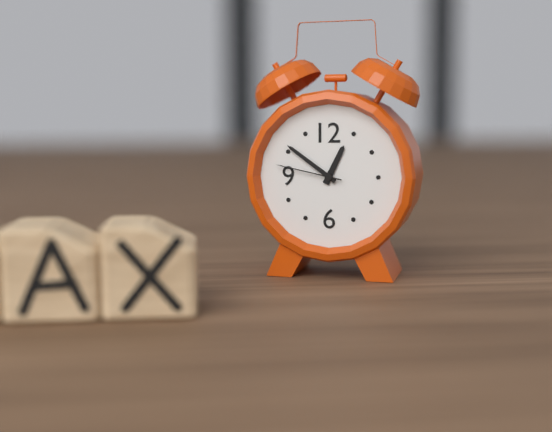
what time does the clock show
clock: 12:51:47
